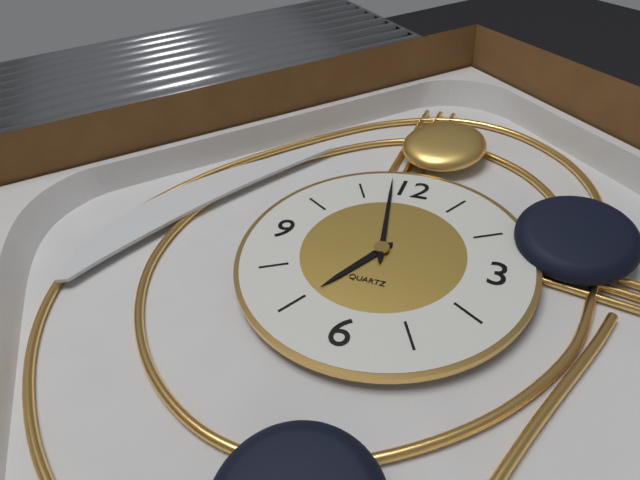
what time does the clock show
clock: 6:58
